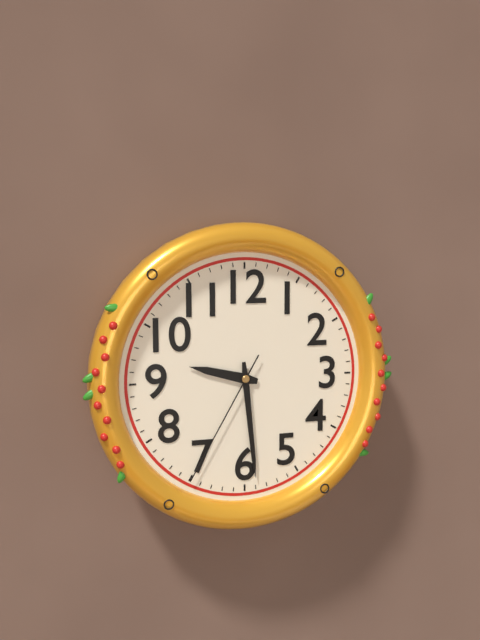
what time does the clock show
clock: 9:29:35
